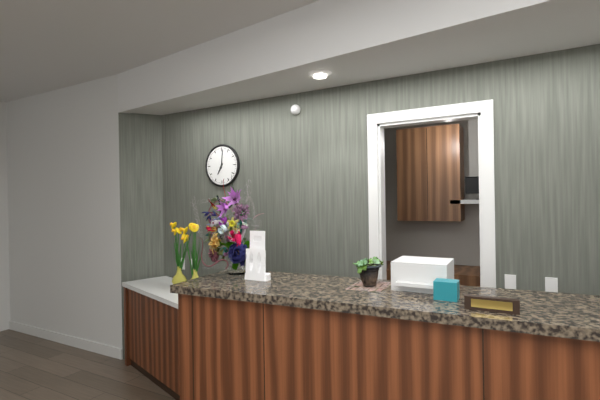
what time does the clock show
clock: 7:01
